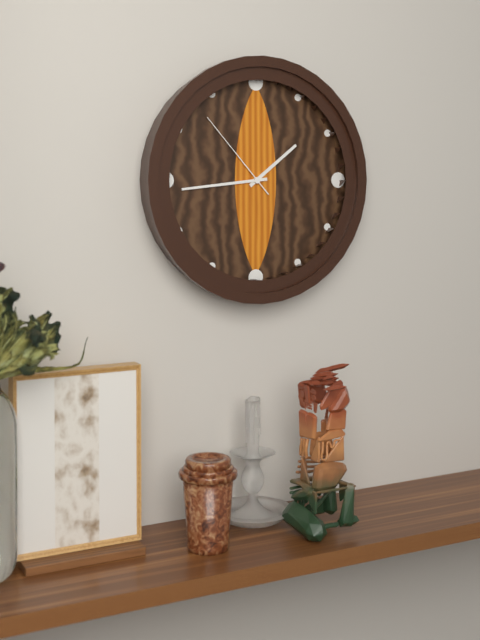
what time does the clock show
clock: 1:44:53
